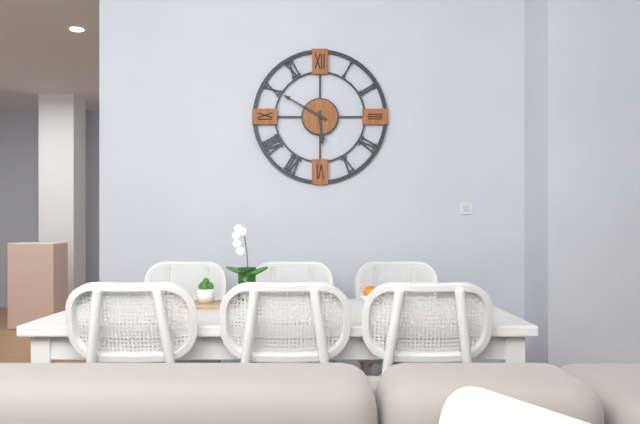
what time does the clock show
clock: 5:50
